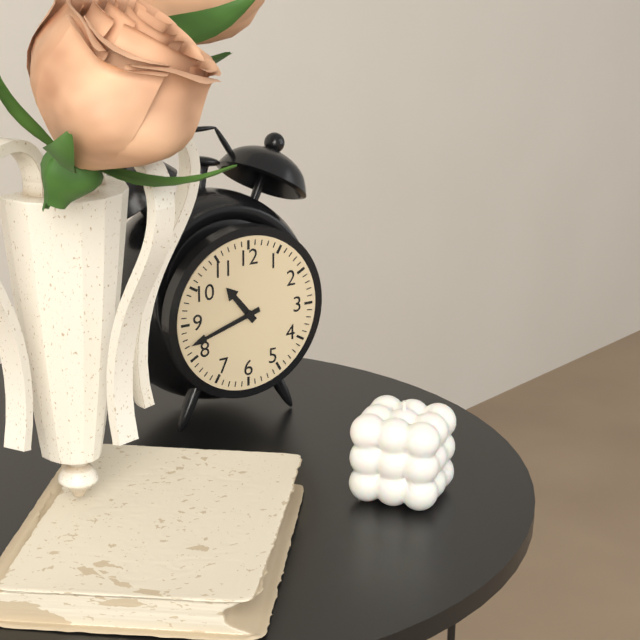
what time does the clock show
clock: 10:42
